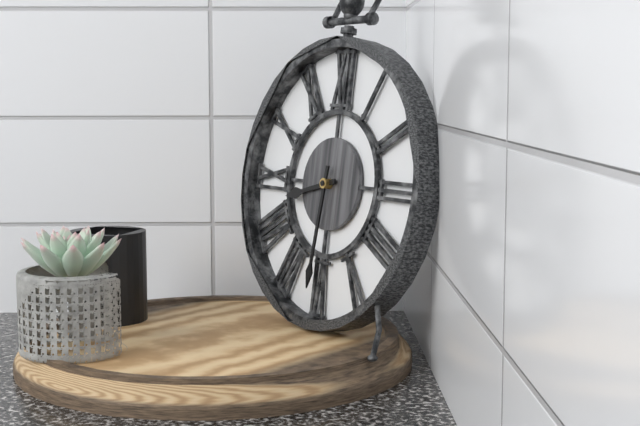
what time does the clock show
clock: 8:31
